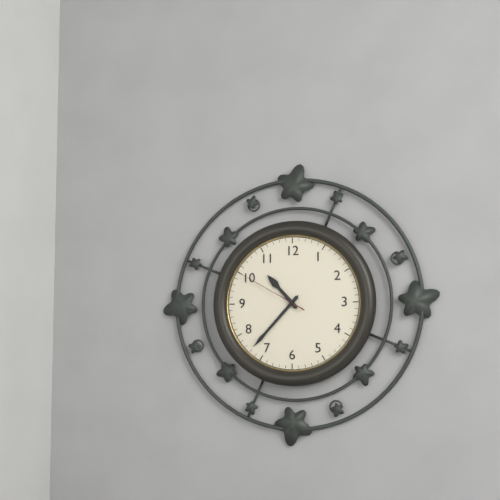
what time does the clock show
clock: 10:37:50
